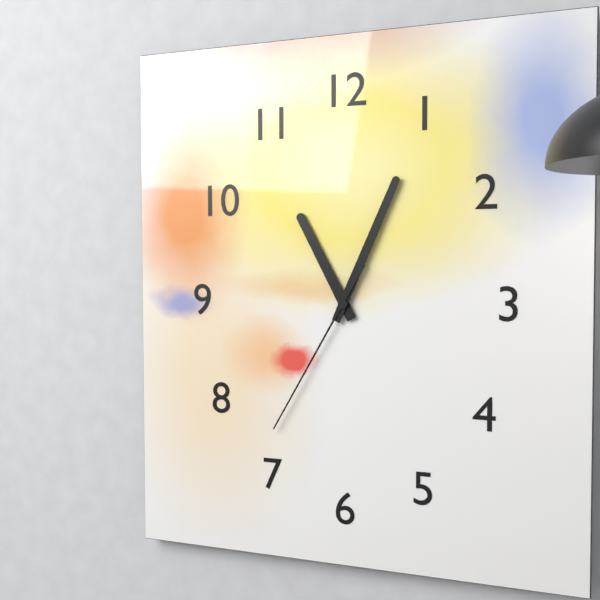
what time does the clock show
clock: 11:04:35
